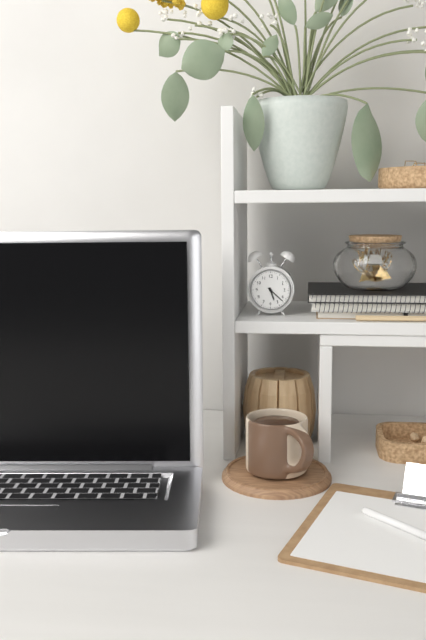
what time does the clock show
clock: 5:22
